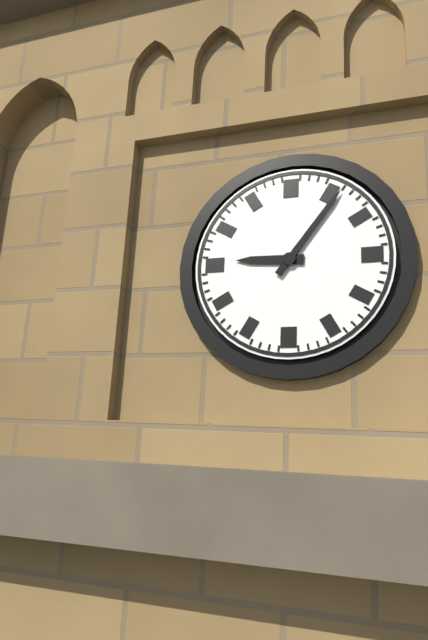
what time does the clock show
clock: 9:06
